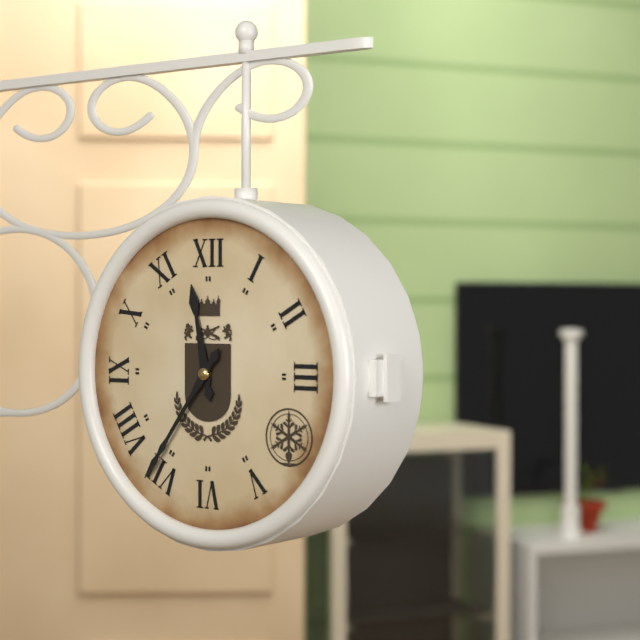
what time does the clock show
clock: 11:36
